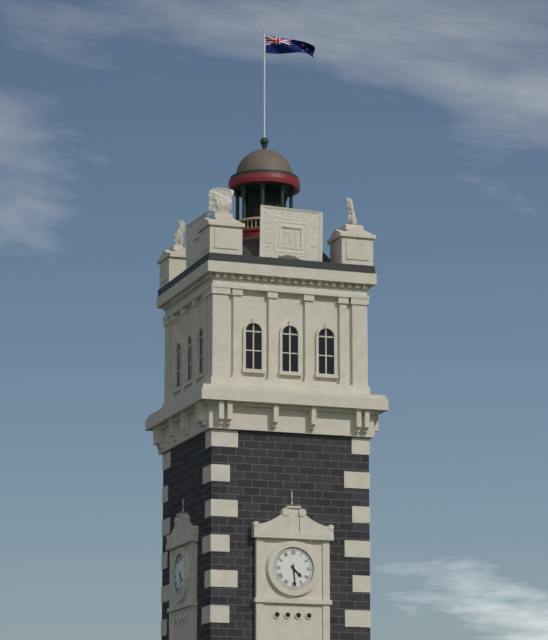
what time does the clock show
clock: 4:29
